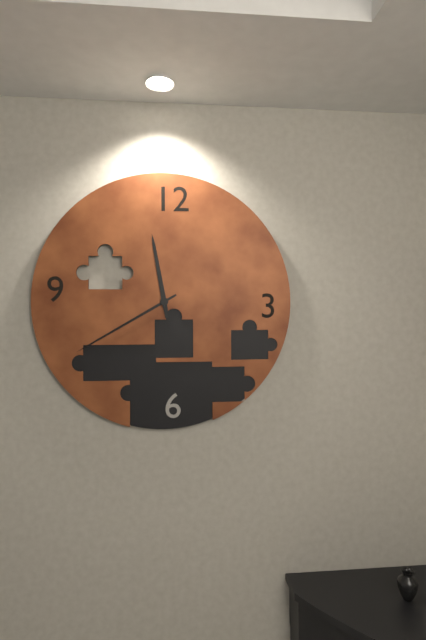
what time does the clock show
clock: 11:40
